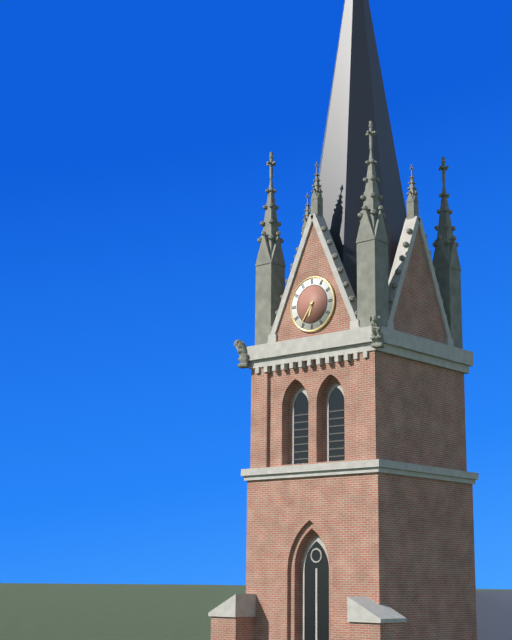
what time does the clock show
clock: 6:36
